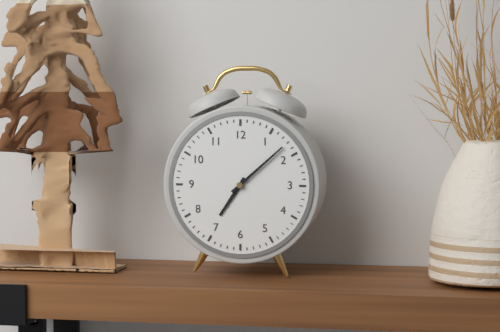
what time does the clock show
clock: 7:08
